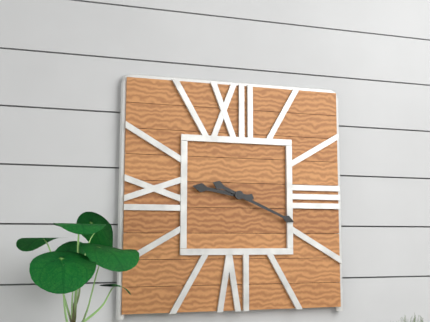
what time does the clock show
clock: 9:19
